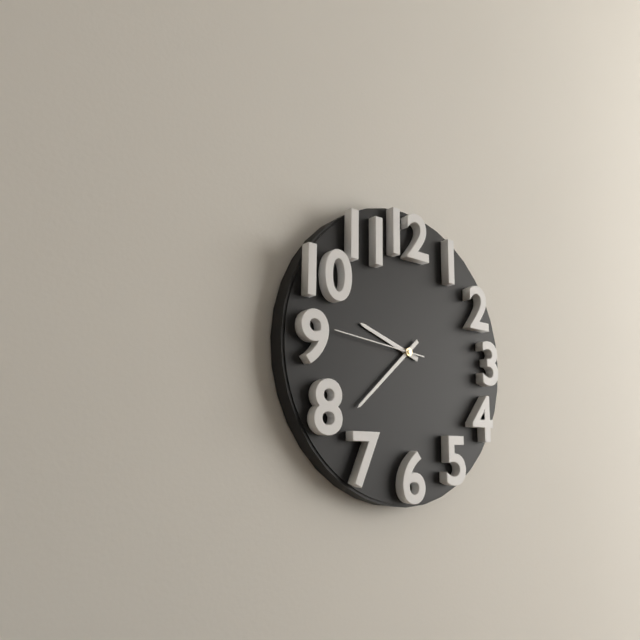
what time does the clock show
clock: 9:38:46
